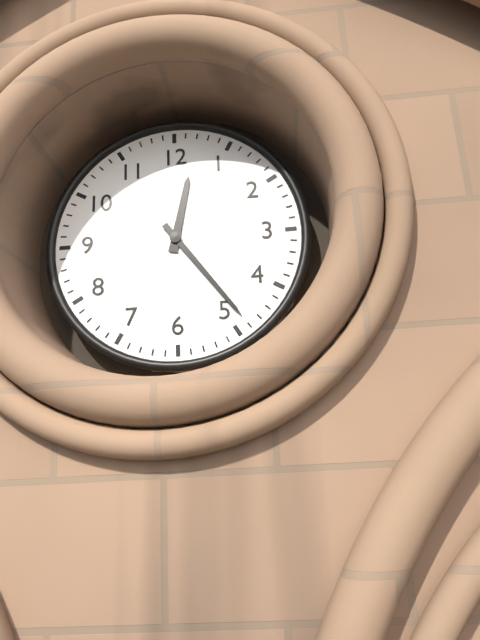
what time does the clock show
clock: 12:24
